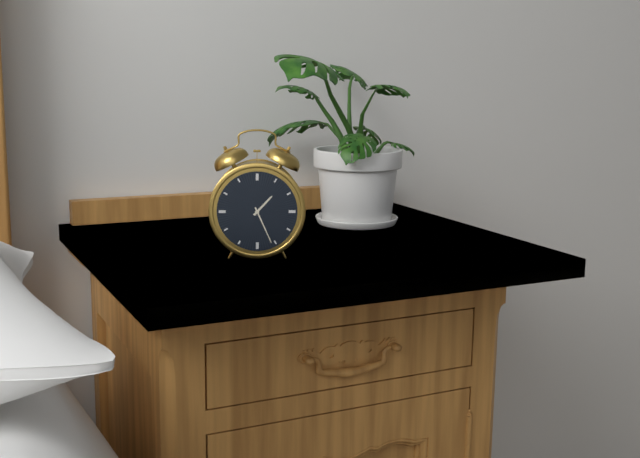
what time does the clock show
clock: 1:26
